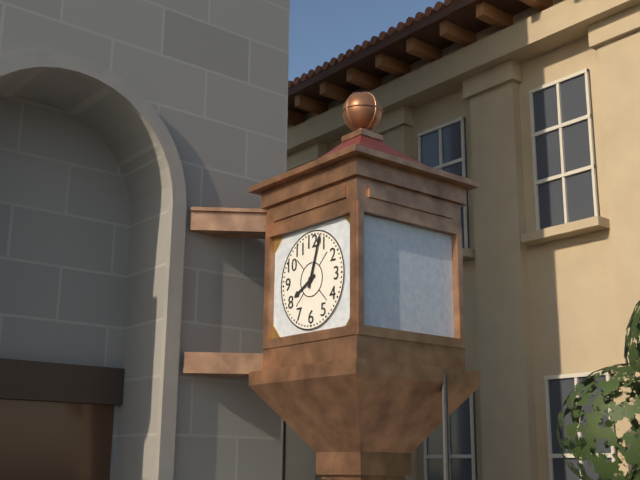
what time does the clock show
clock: 8:03
